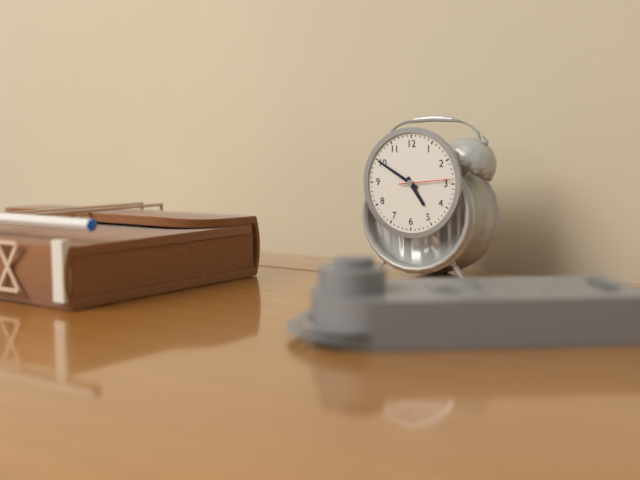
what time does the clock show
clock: 4:50
